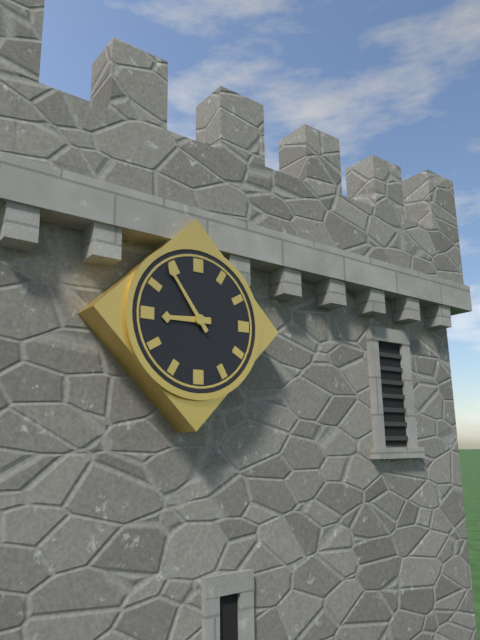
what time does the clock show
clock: 8:54
